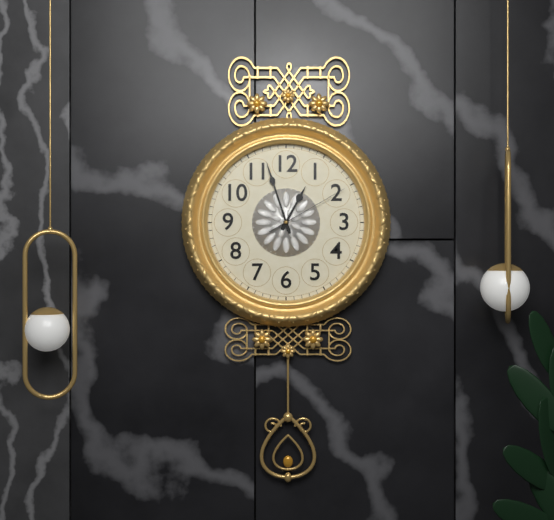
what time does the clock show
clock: 12:57:10
